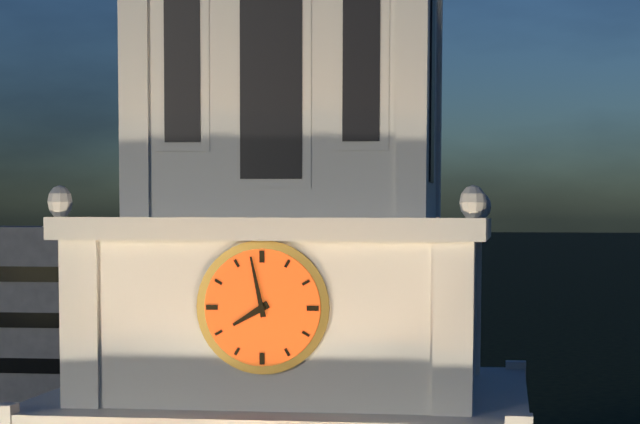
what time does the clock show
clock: 7:58
